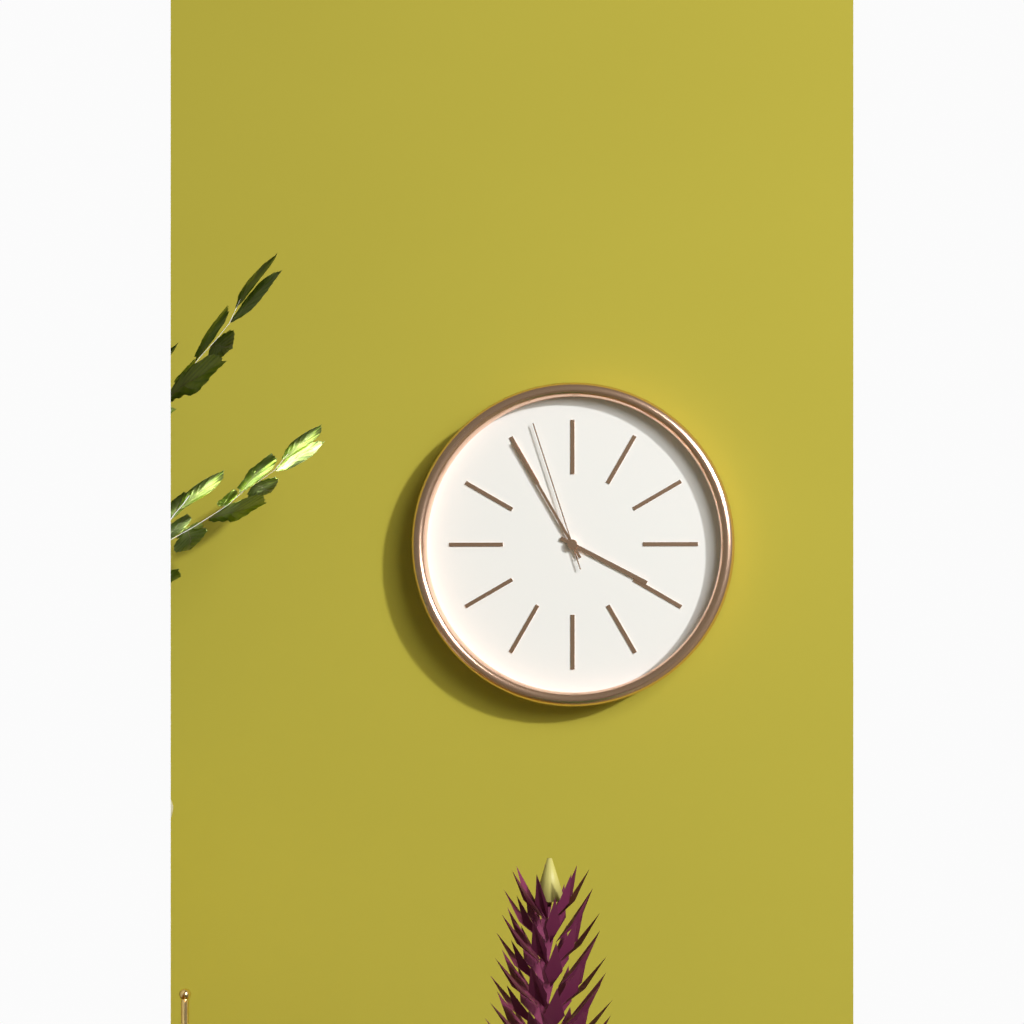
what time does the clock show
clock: 3:55:57
